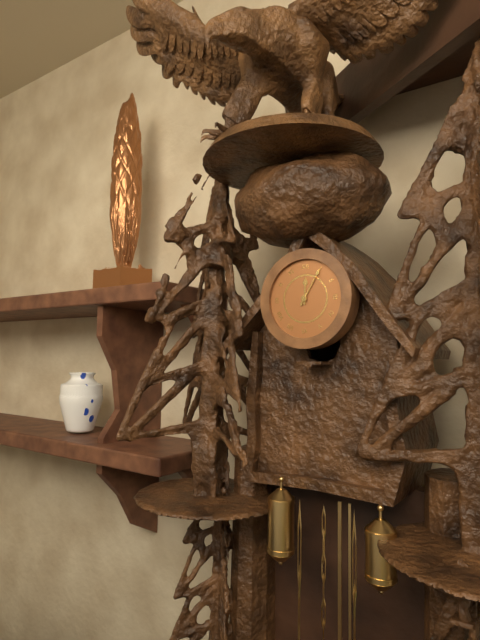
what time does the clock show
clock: 12:05
